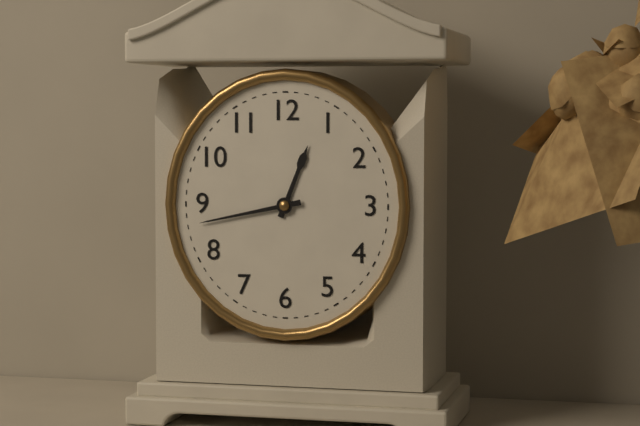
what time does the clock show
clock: 12:43
